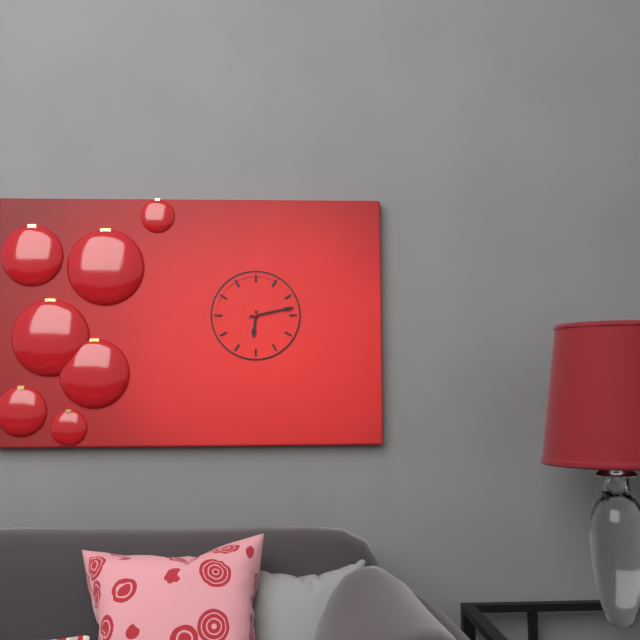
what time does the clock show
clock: 6:13
